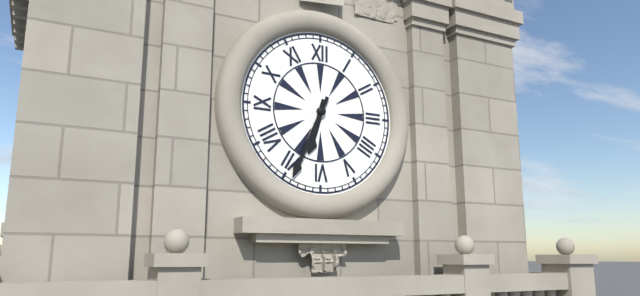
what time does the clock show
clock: 6:34
